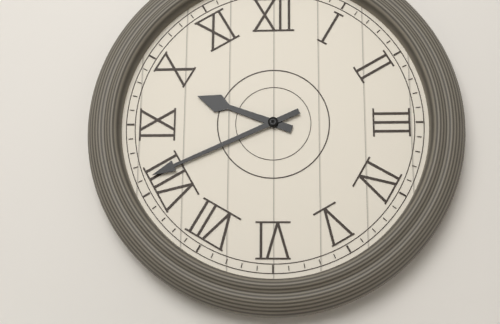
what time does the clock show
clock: 9:41
